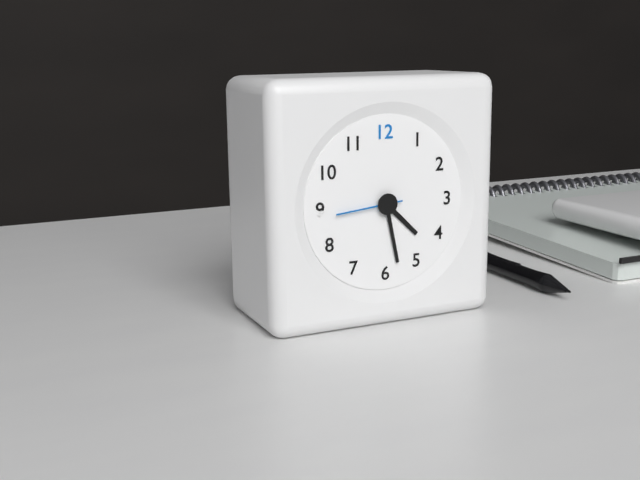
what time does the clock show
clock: 4:28:44
